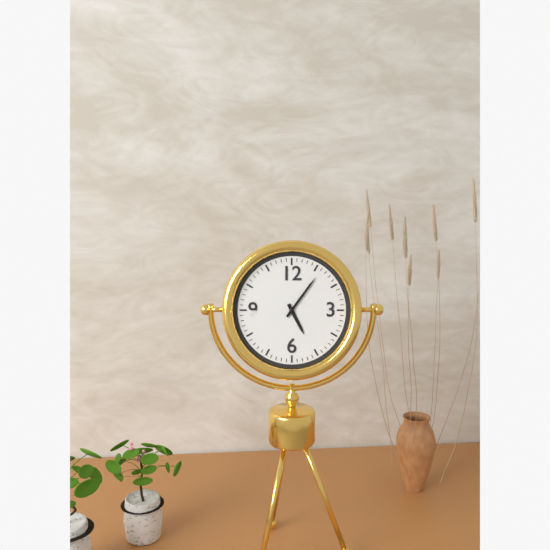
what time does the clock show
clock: 5:06
